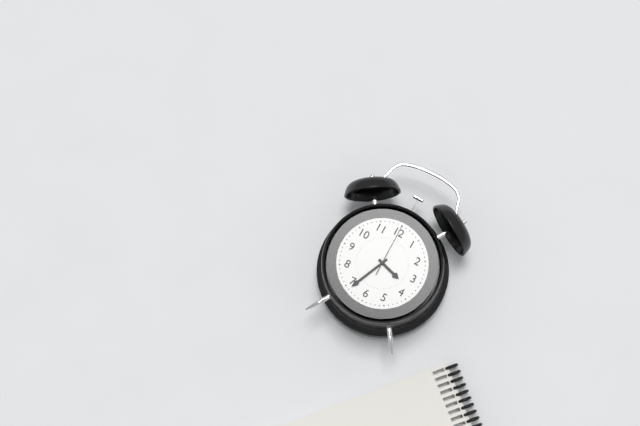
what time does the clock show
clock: 3:34:00
